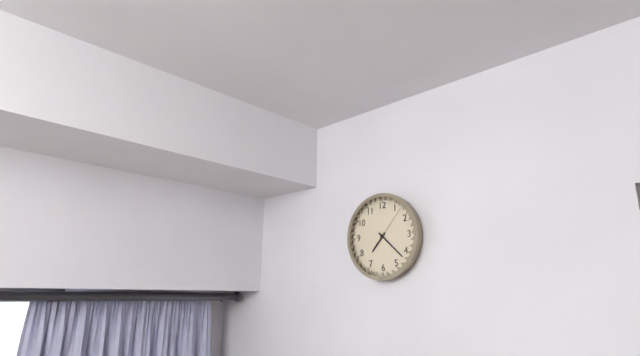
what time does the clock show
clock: 7:22
